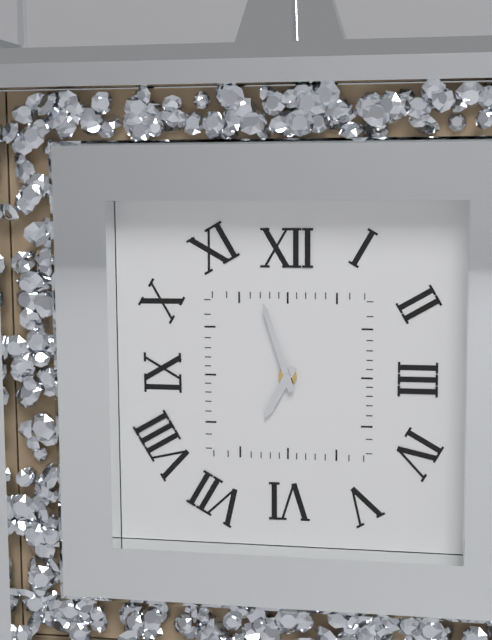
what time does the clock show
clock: 6:57
